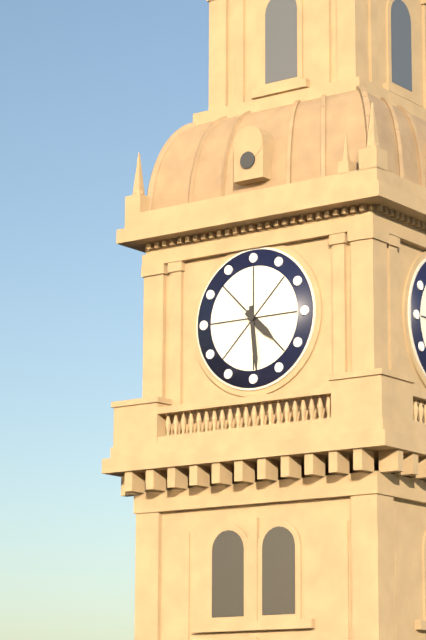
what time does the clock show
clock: 4:29
